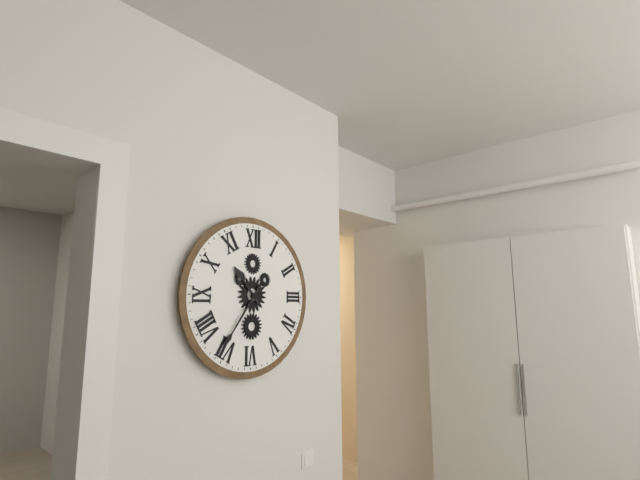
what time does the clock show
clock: 10:36
